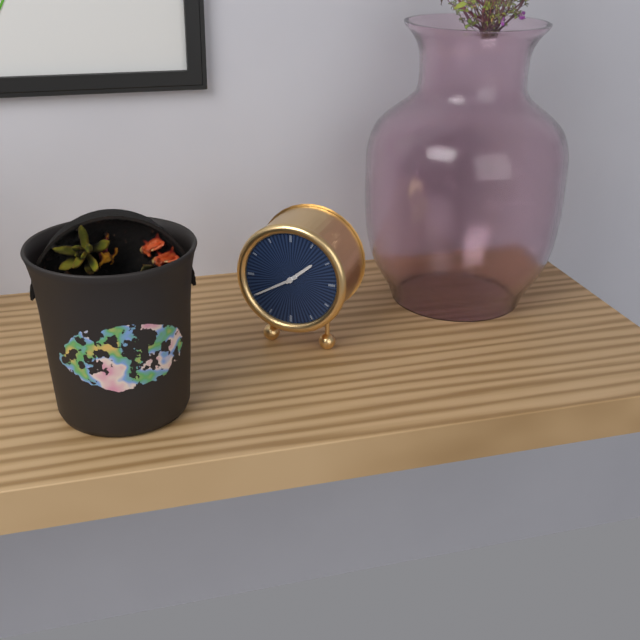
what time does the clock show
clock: 1:40
